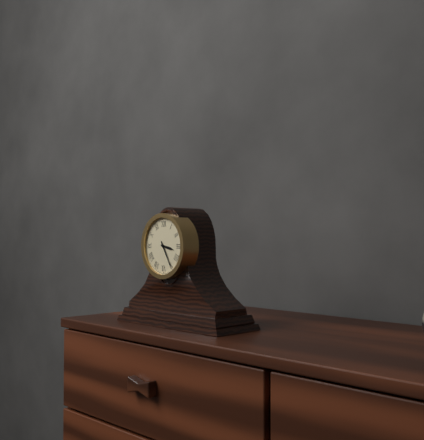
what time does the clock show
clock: 3:25
